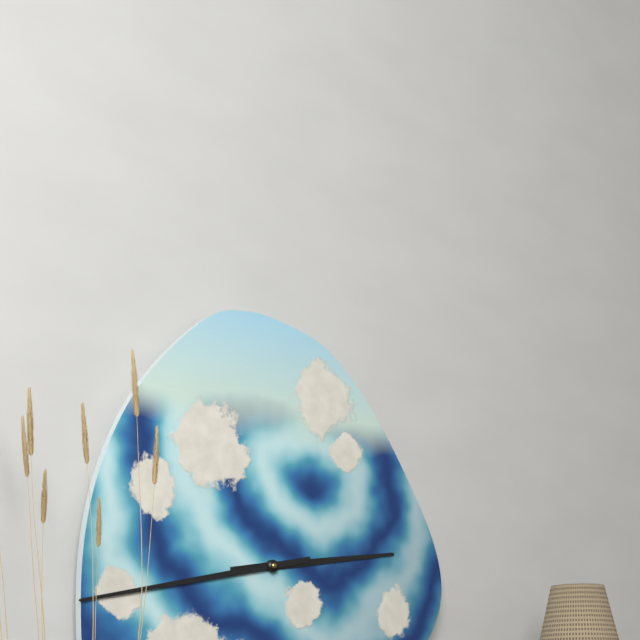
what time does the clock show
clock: 2:43
